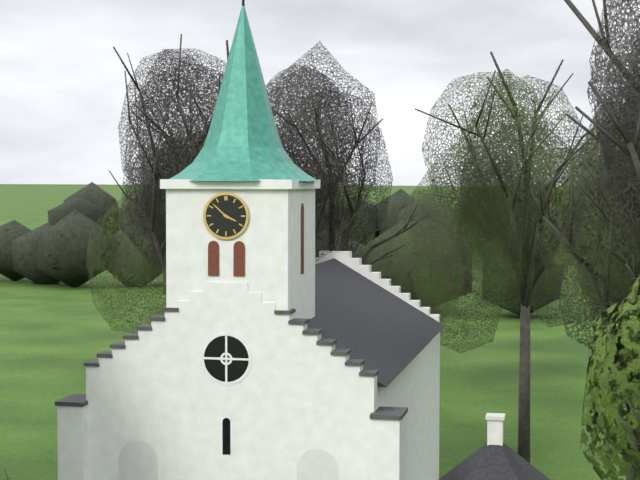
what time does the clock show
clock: 3:52
